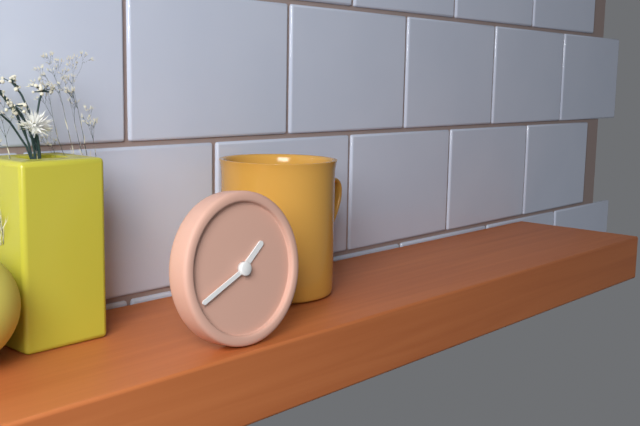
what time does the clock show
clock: 1:41
